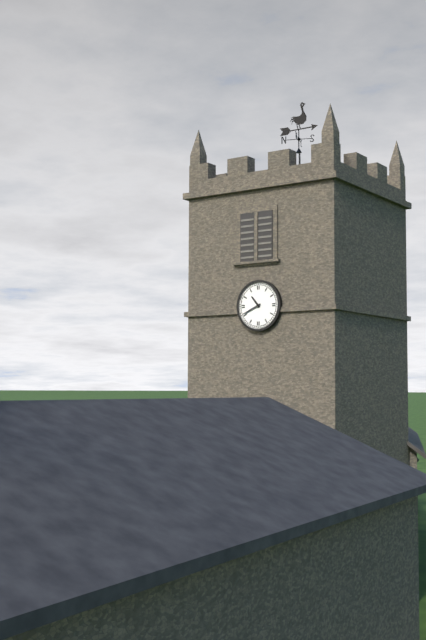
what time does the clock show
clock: 10:41
